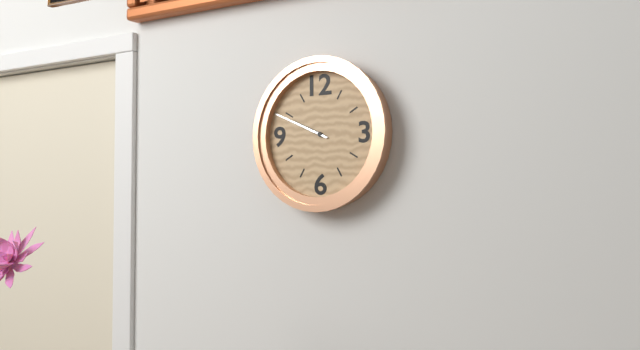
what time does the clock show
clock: 9:49
